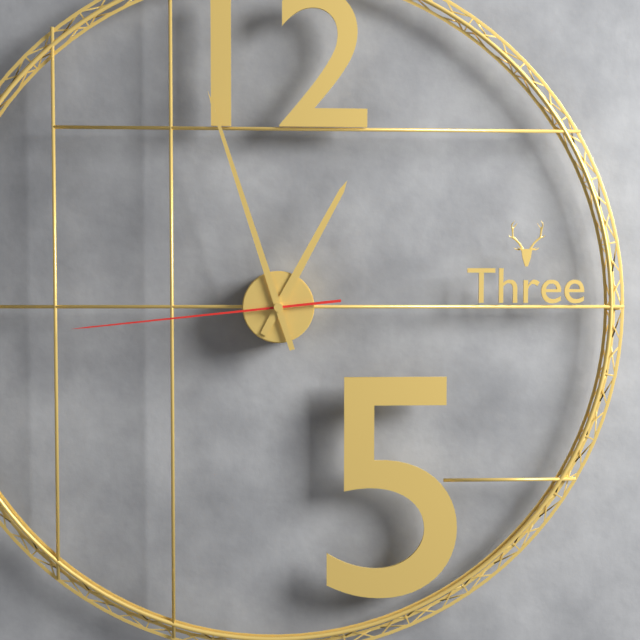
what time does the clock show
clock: 12:57:44
